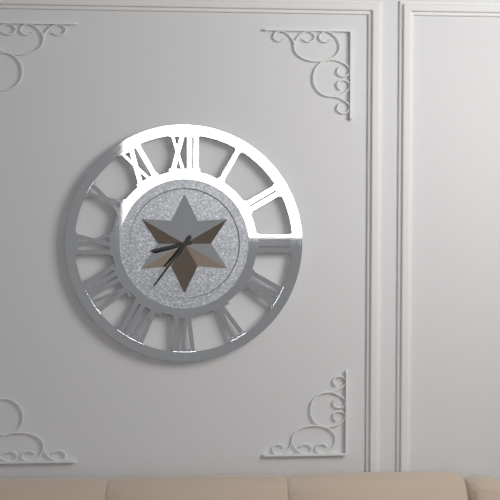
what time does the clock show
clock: 8:36
